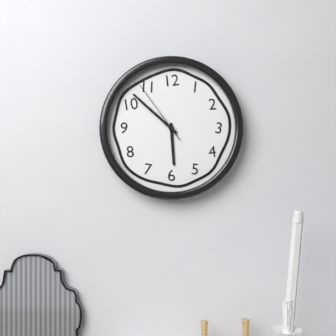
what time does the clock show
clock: 5:52:54
